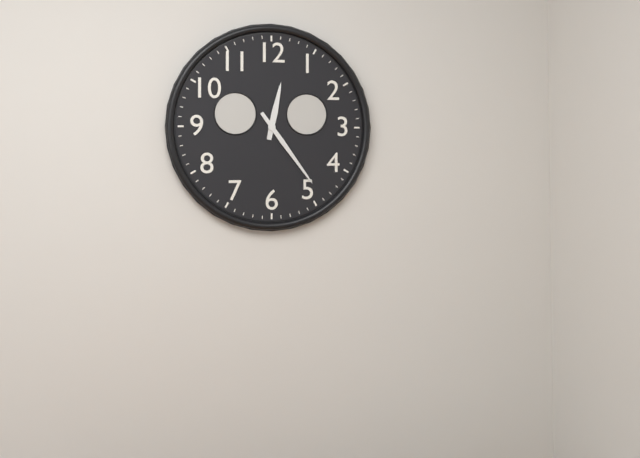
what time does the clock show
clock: 12:24
